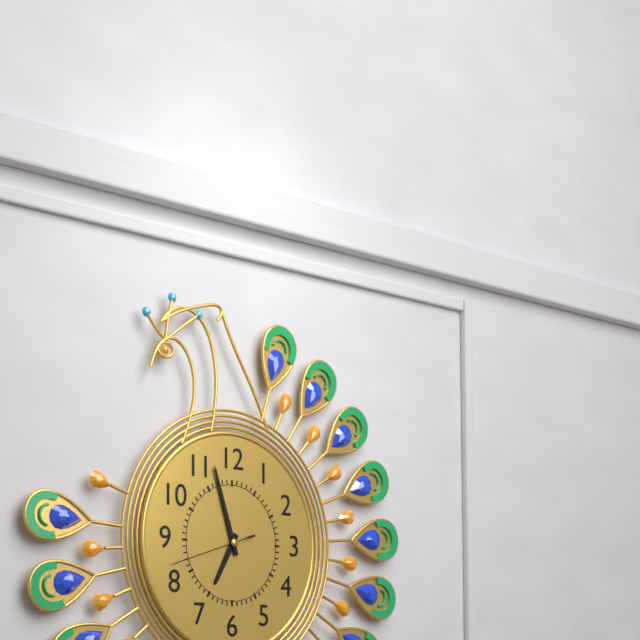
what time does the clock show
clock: 6:57:42
